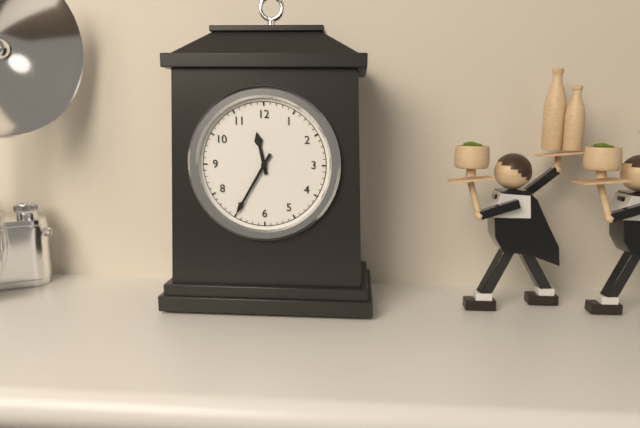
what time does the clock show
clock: 11:35
